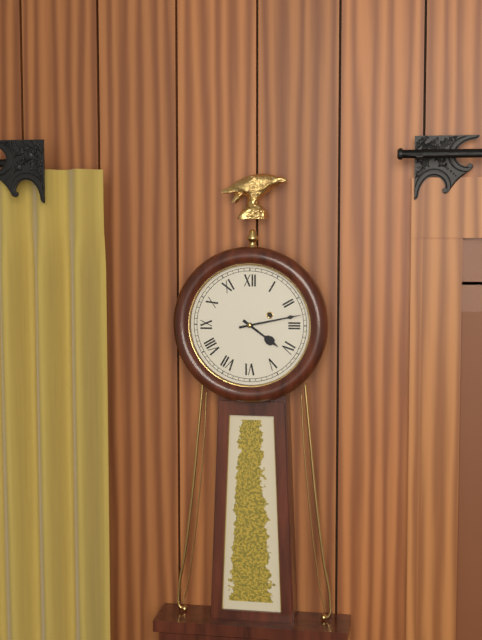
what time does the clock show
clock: 4:13
